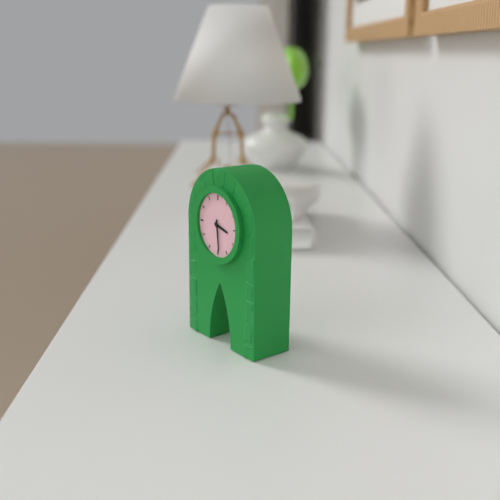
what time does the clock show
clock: 3:29
